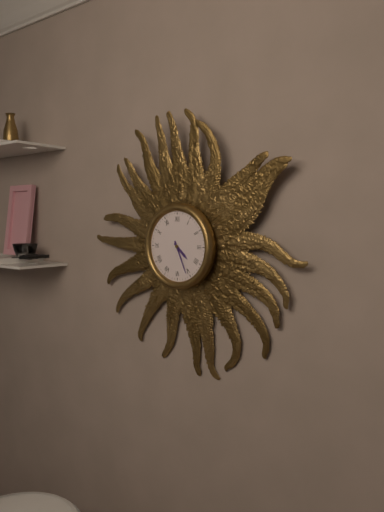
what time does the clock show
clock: 4:26
